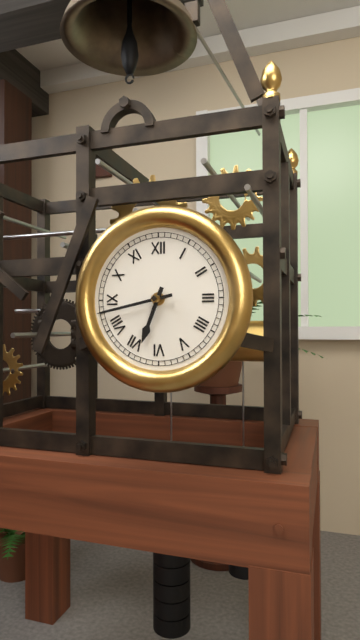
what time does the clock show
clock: 6:43
